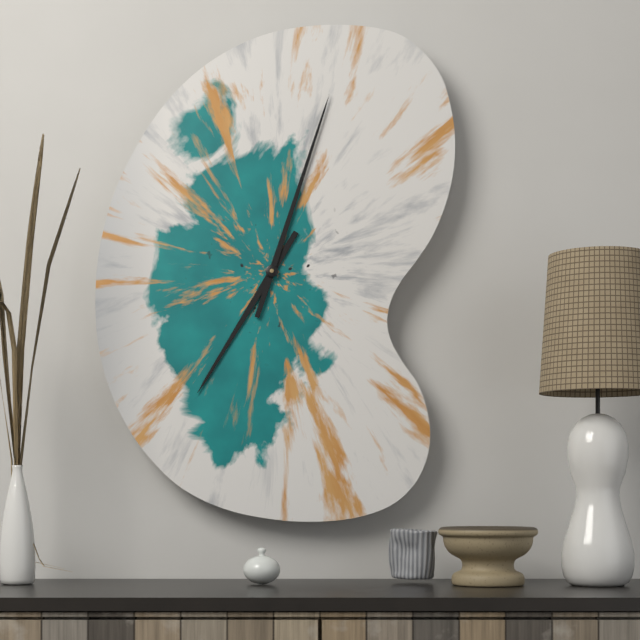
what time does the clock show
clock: 7:03
